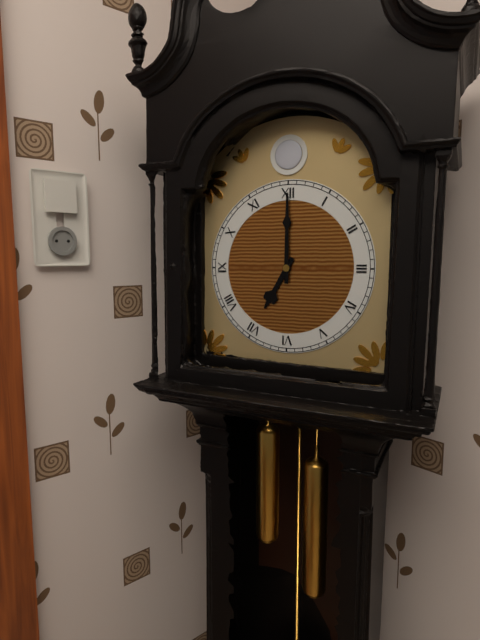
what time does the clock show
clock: 7:00
